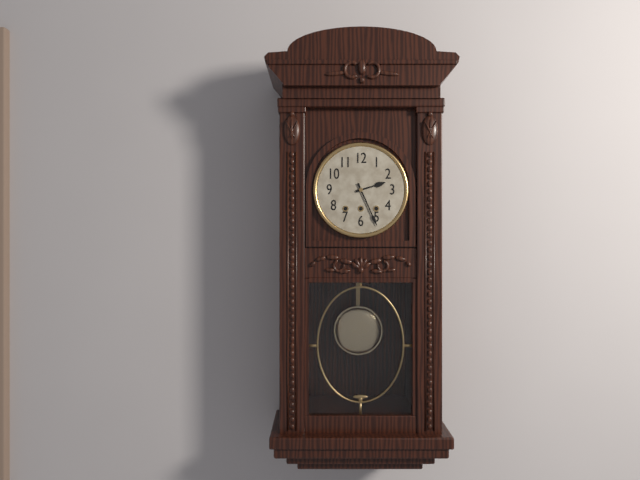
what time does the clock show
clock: 2:26
